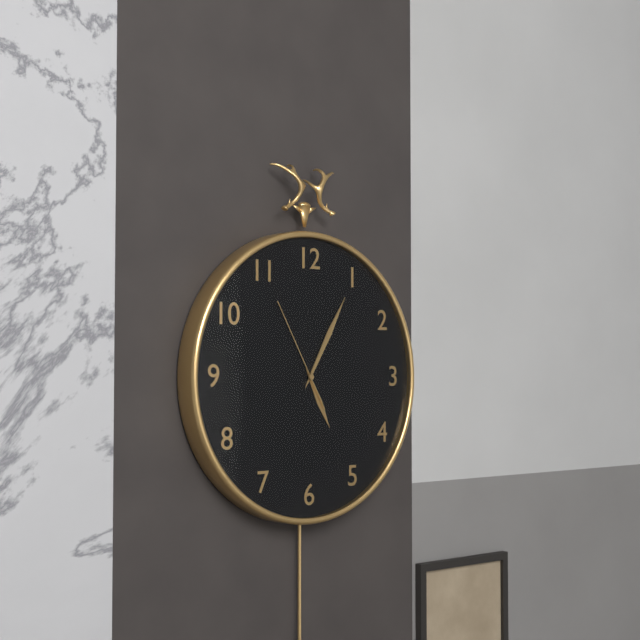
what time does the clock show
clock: 5:05:55
